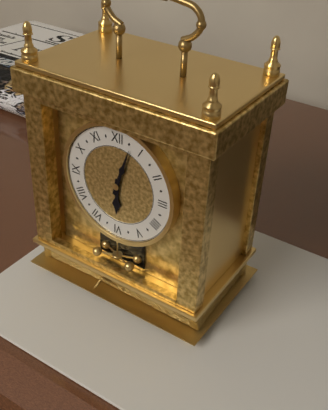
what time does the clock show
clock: 6:03
